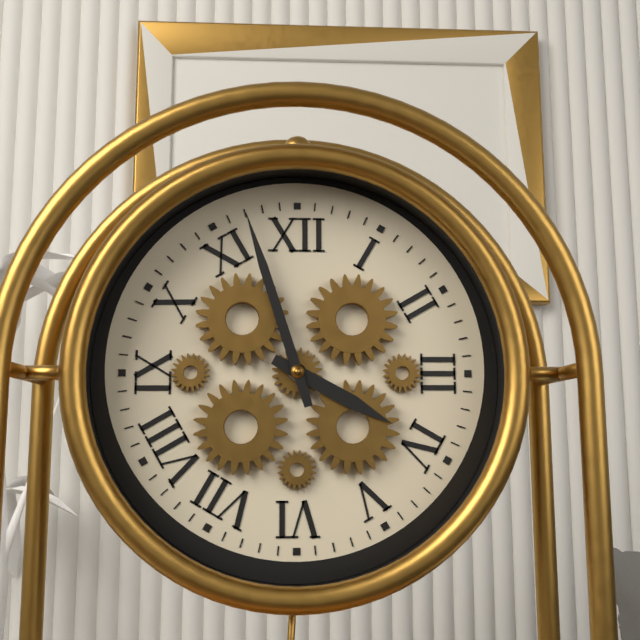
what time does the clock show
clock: 3:57
